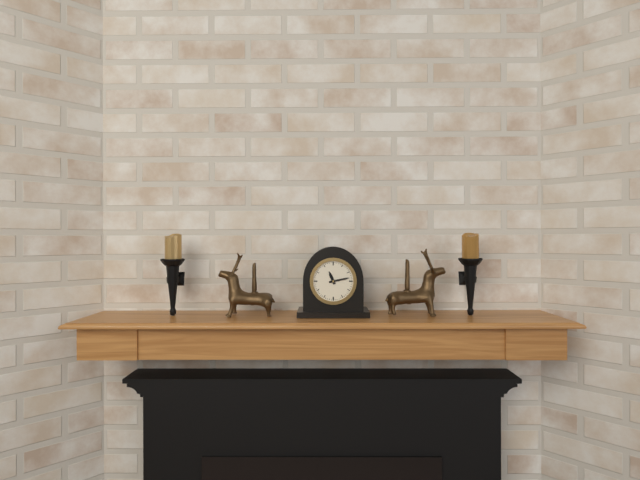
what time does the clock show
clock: 11:13
